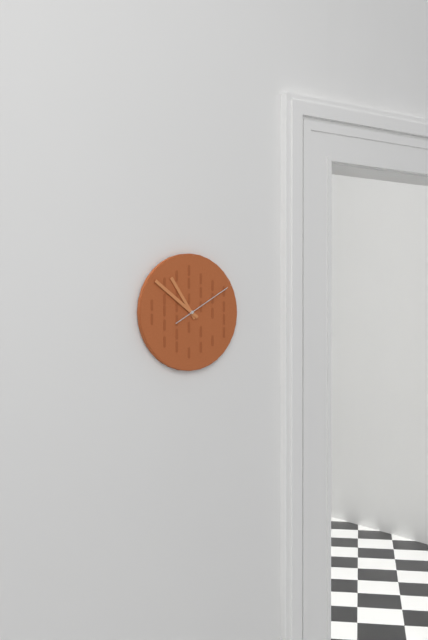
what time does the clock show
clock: 10:51:10
